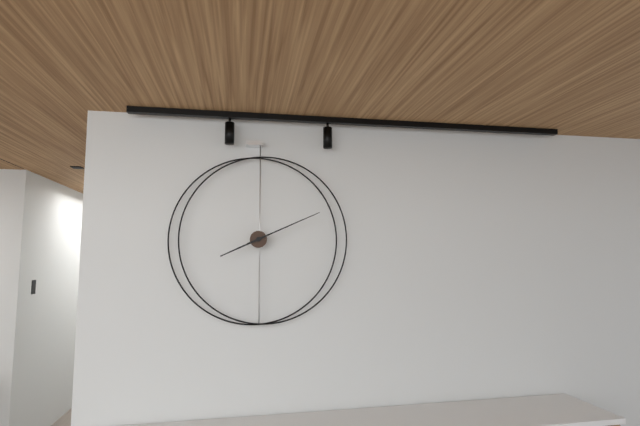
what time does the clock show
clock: 8:11
